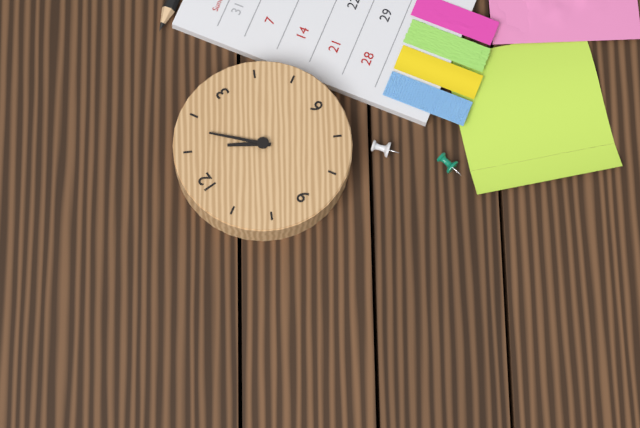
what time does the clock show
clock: 1:08
